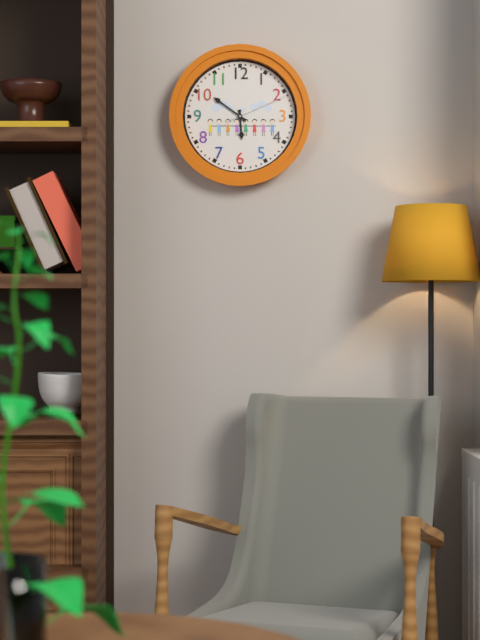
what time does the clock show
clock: 5:51:11
